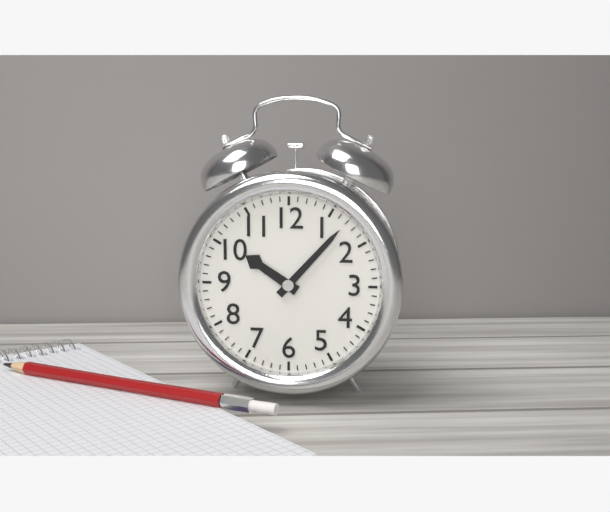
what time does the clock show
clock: 10:07
